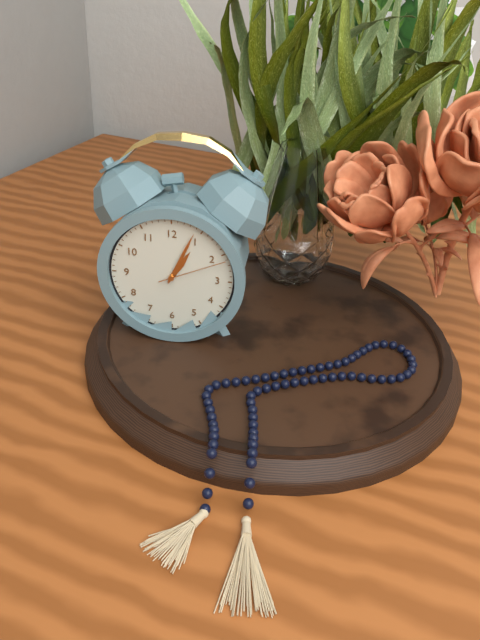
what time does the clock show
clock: 1:04:11
